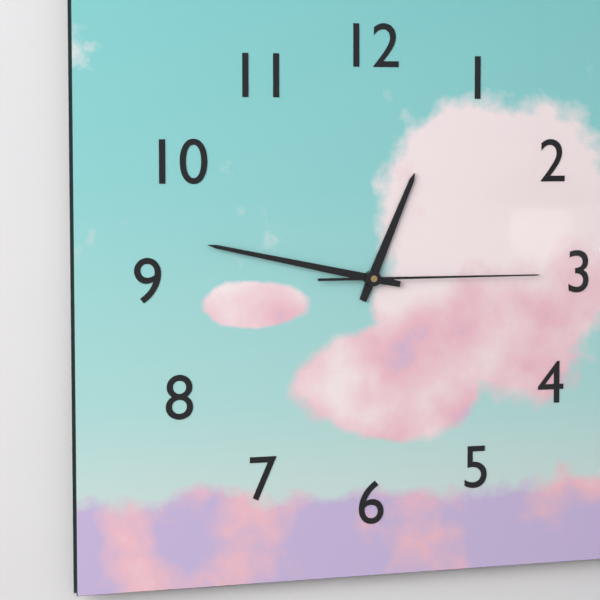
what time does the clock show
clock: 12:47:15
